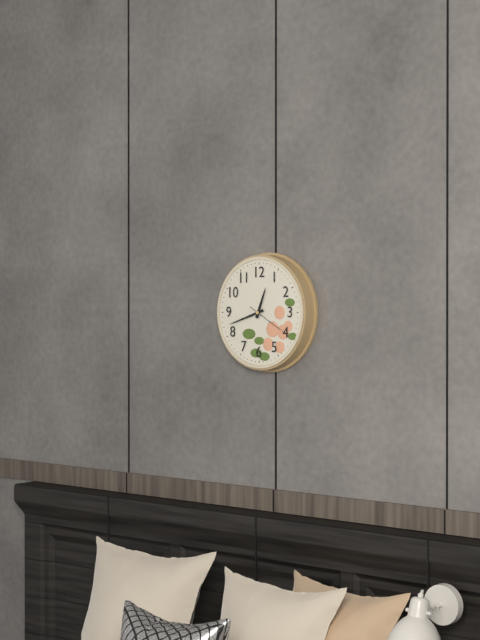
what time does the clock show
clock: 12:42
